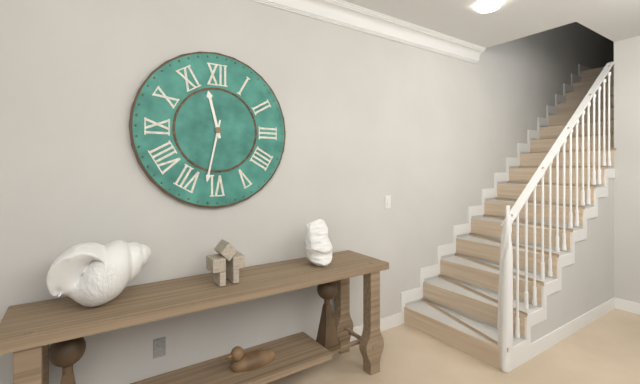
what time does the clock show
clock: 11:32
